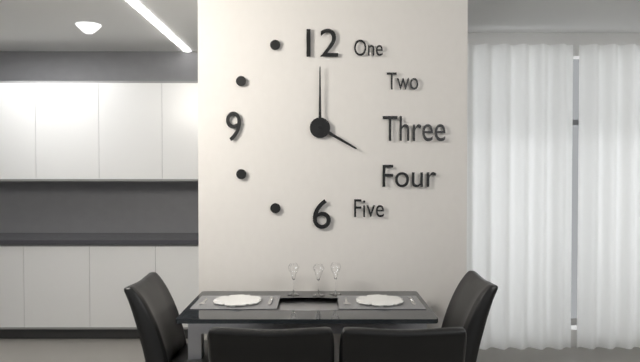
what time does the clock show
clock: 4:00
